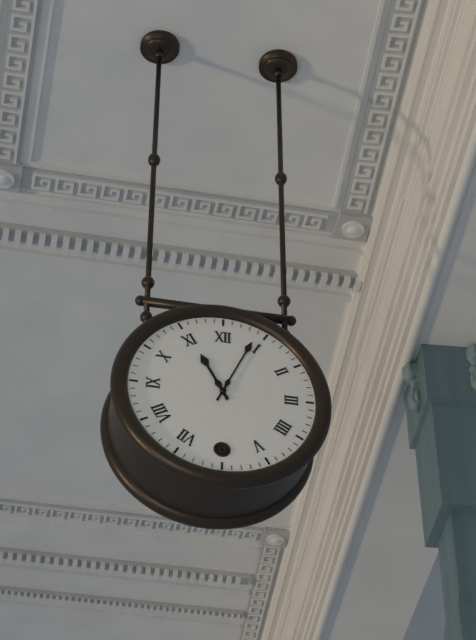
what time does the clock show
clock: 11:04
